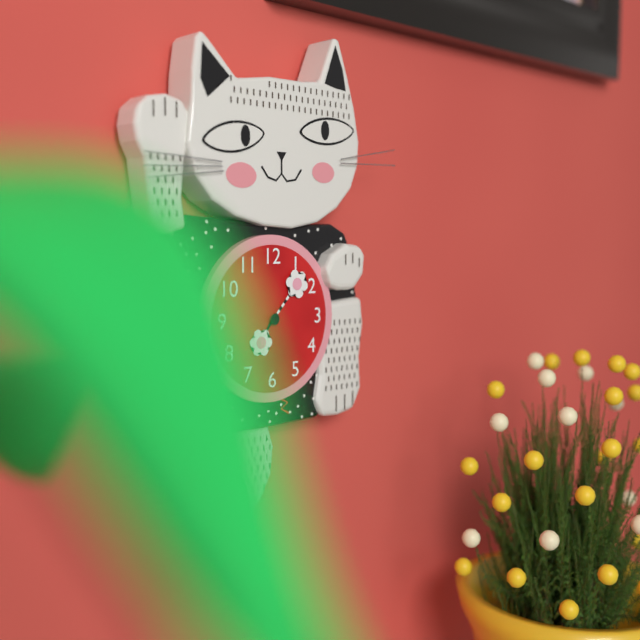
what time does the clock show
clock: 7:07
